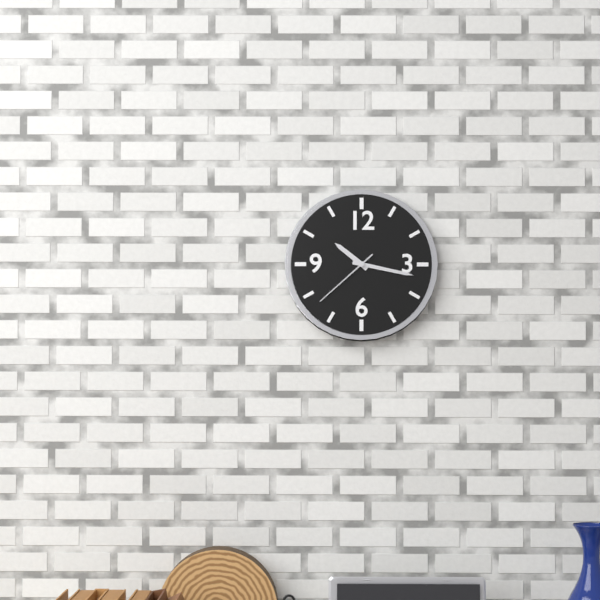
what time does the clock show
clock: 10:17:38
